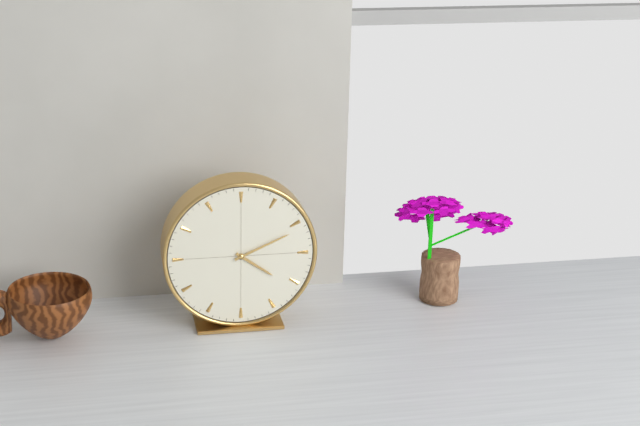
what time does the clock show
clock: 4:11
